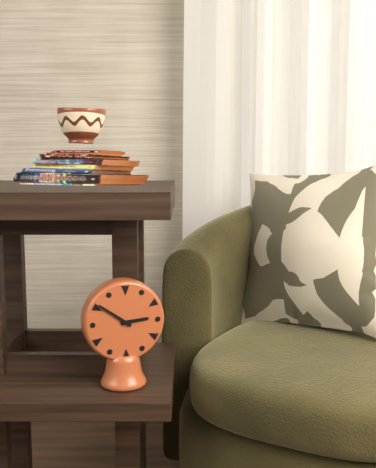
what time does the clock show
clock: 2:51
